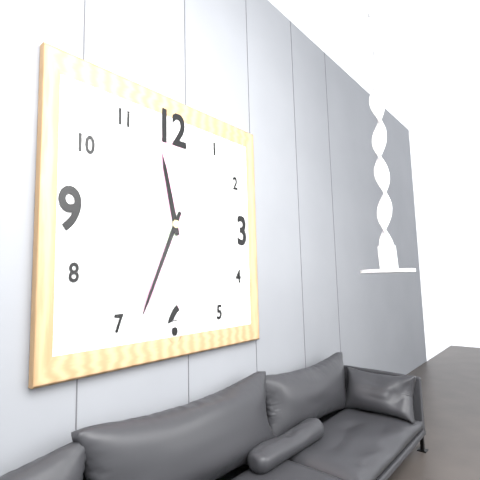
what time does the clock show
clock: 11:34
